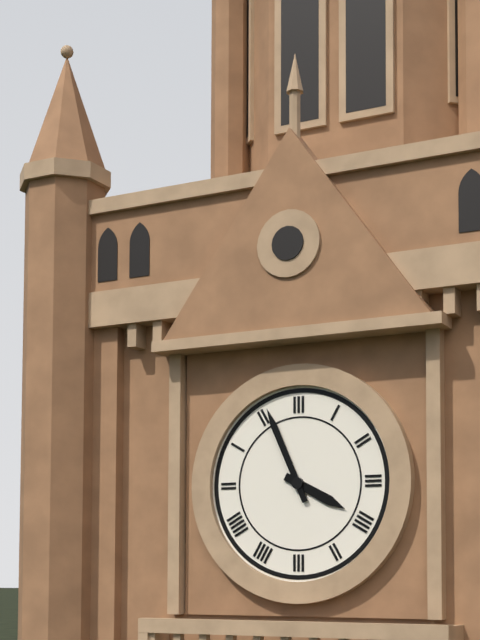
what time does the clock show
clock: 3:56
